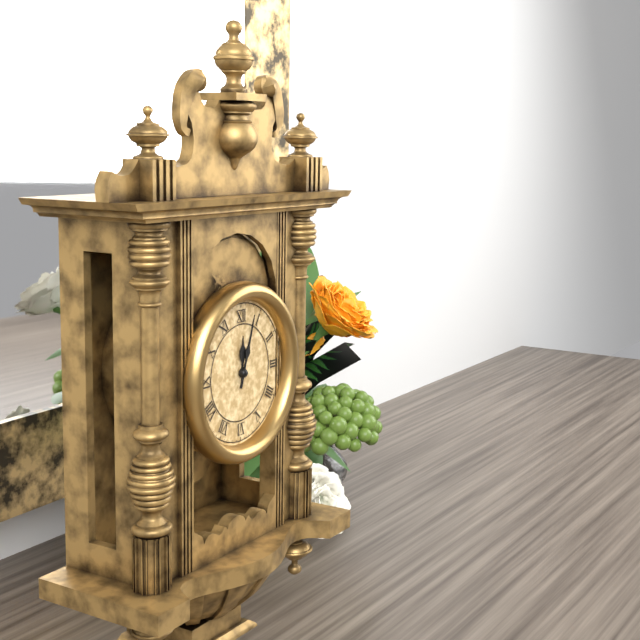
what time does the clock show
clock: 12:03
